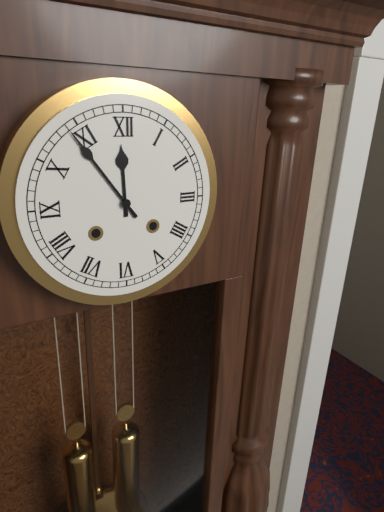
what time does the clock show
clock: 11:54
